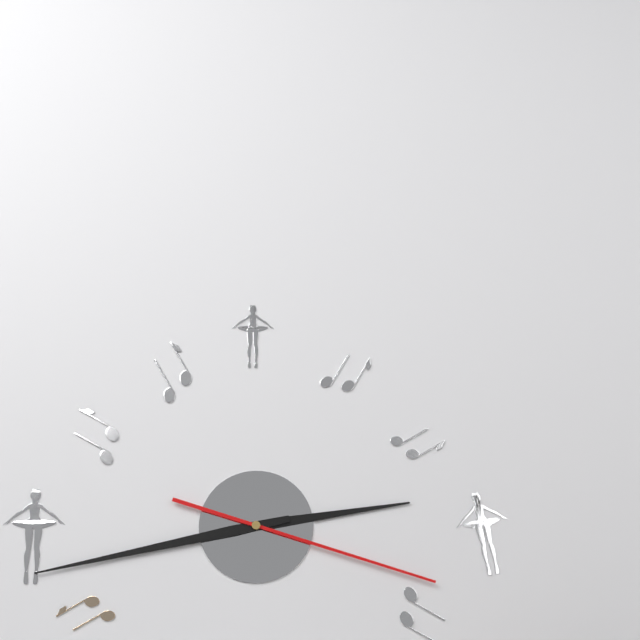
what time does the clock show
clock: 2:43:18
